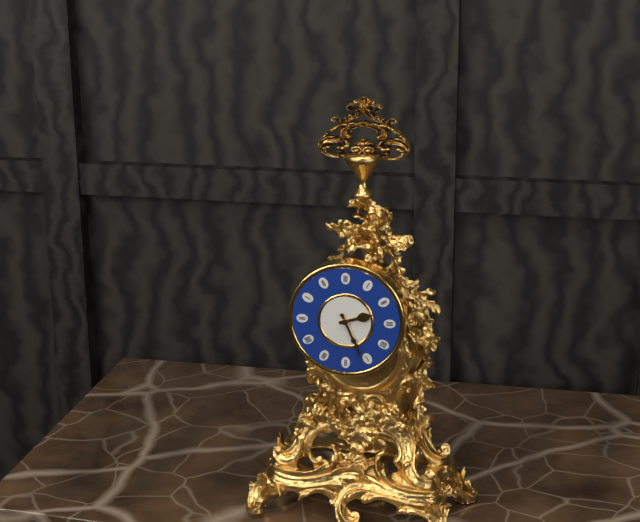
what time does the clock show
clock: 2:26
